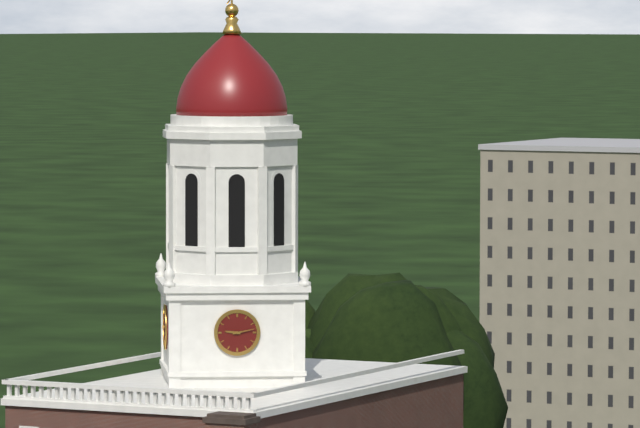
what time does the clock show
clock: 9:13
